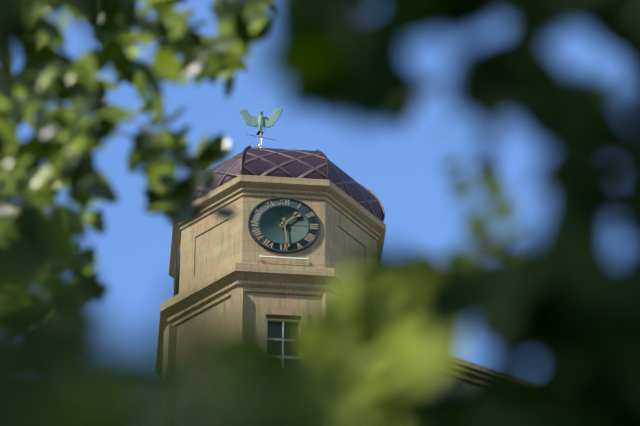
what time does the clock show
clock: 1:29
